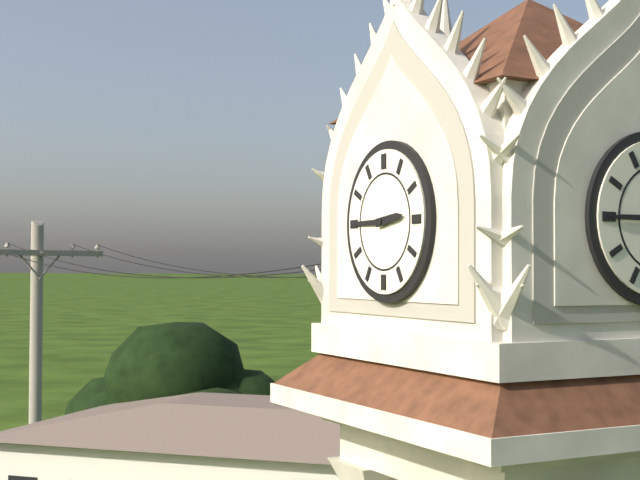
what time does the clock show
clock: 2:45
